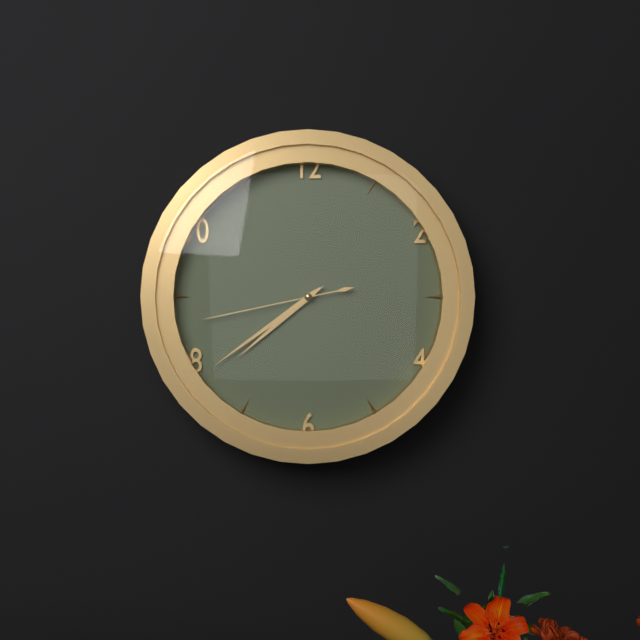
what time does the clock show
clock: 7:39:43
